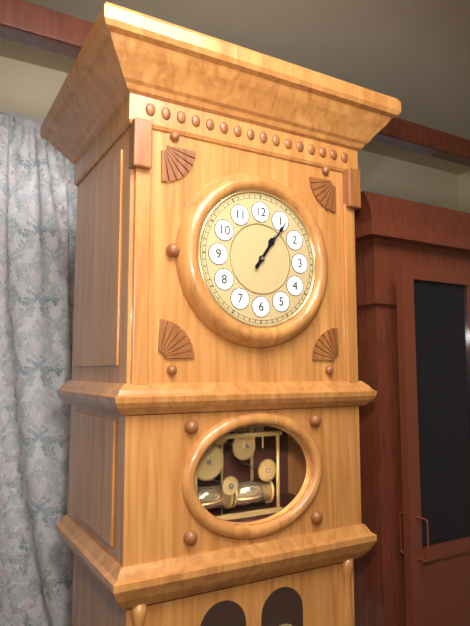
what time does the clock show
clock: 1:06
